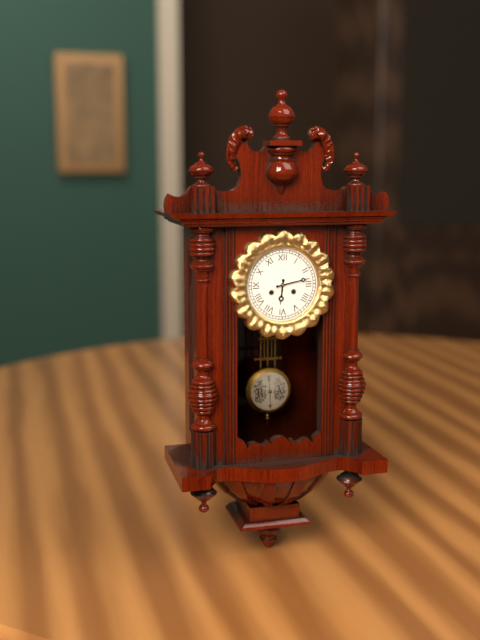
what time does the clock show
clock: 6:13
